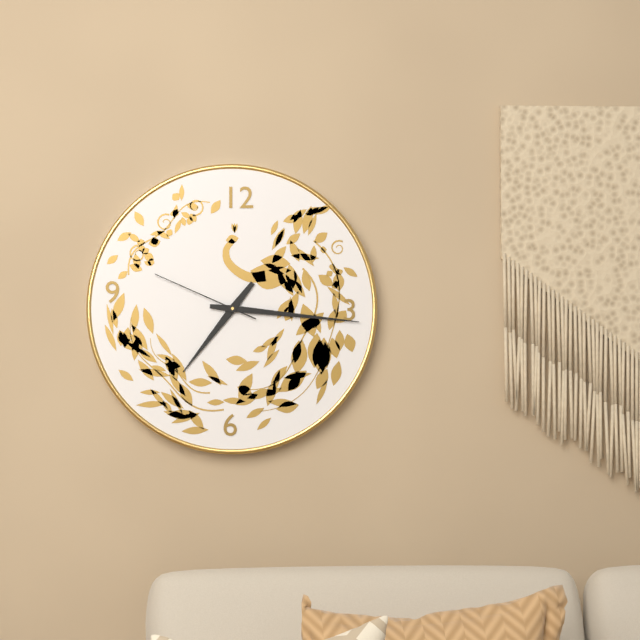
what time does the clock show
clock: 7:16:49
